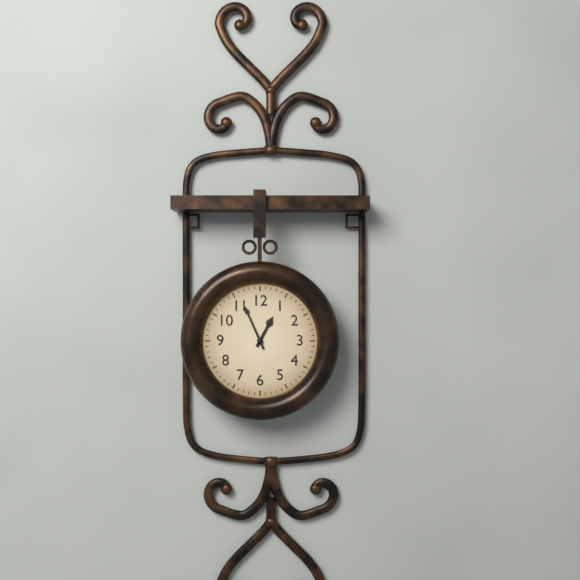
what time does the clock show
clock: 12:56
